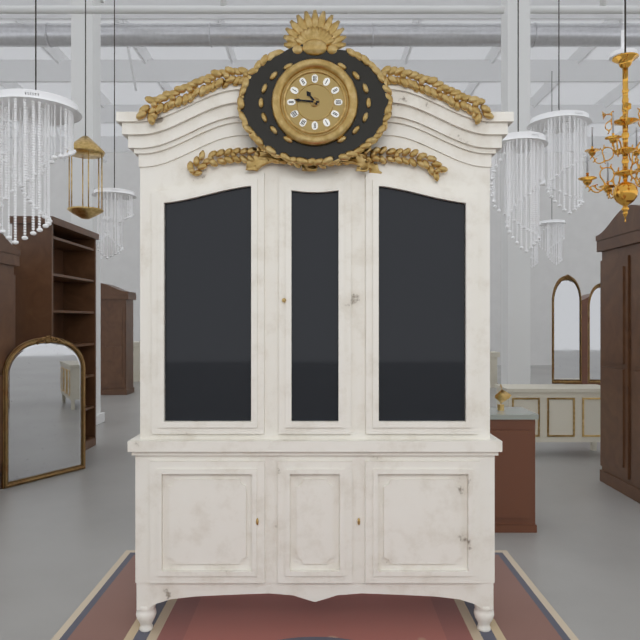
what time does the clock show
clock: 10:46
